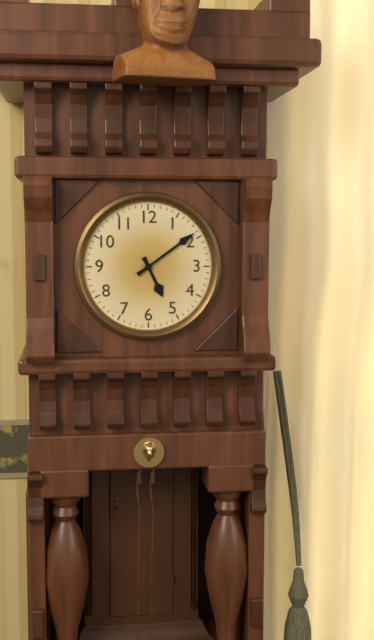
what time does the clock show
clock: 5:09
